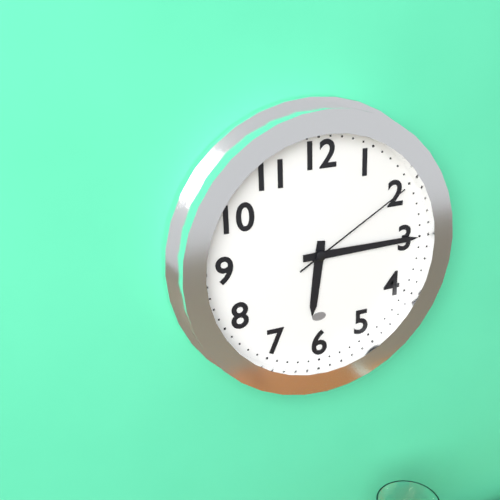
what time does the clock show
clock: 6:15:10
